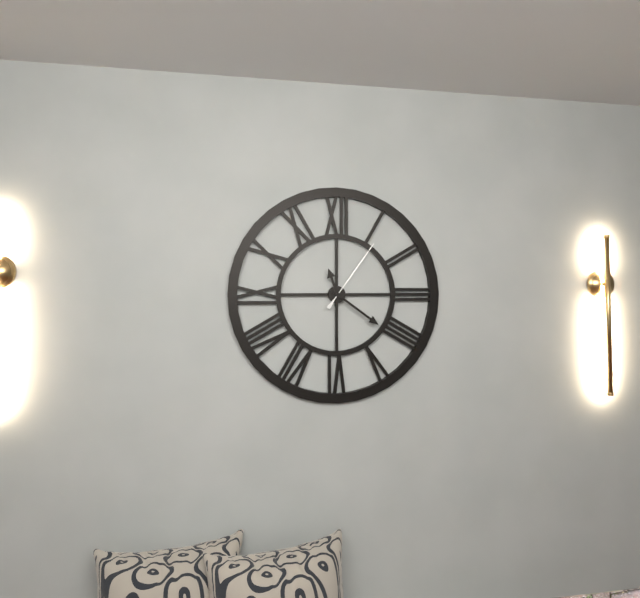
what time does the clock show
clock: 11:21:06
